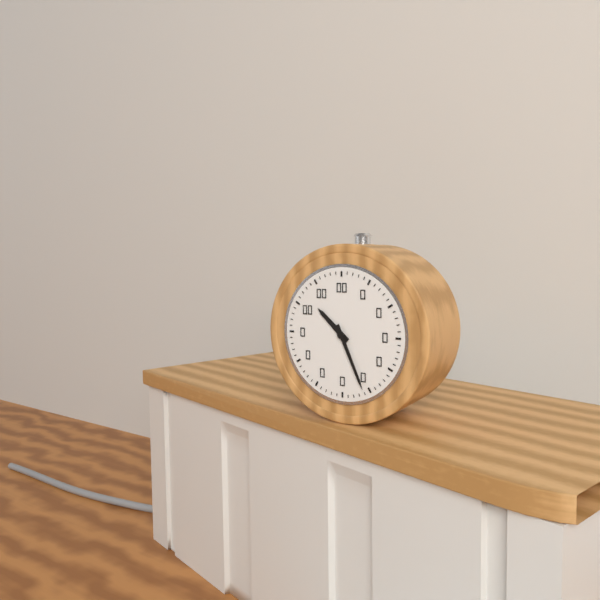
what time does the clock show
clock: 10:26
